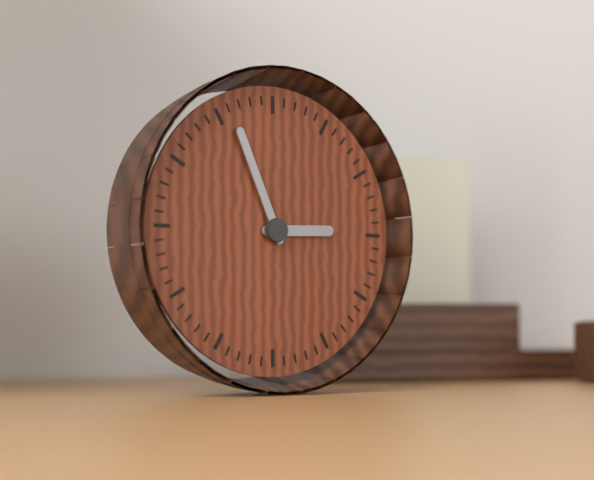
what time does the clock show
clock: 2:56
